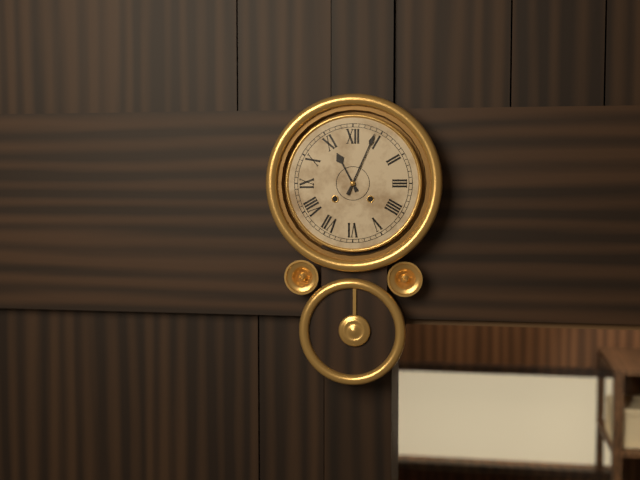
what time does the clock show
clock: 11:04
